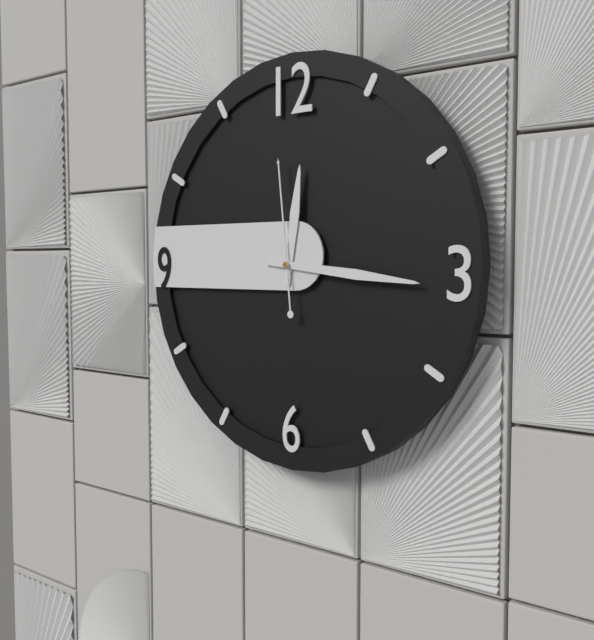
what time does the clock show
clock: 12:16:59
